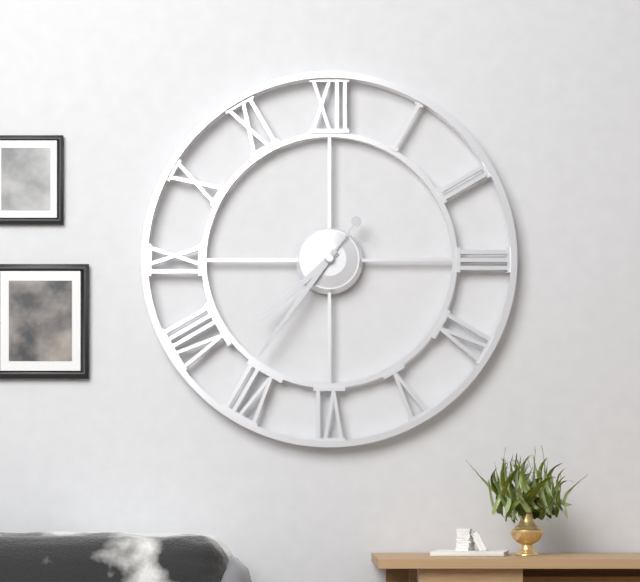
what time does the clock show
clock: 7:36
